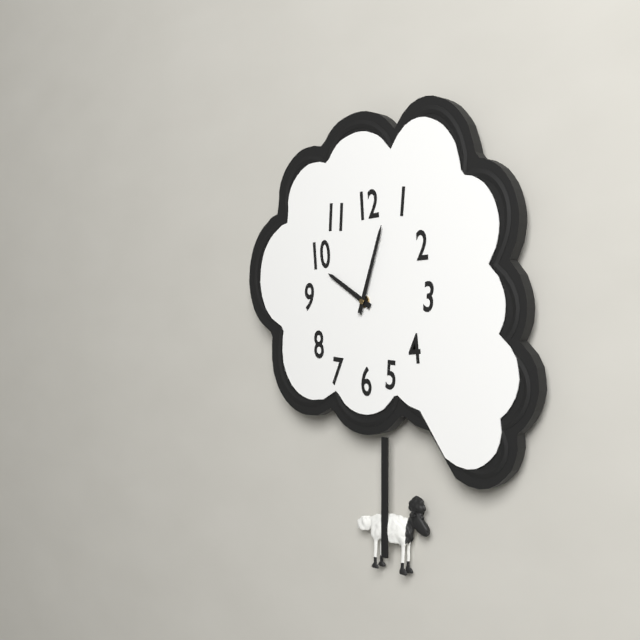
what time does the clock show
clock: 10:03
